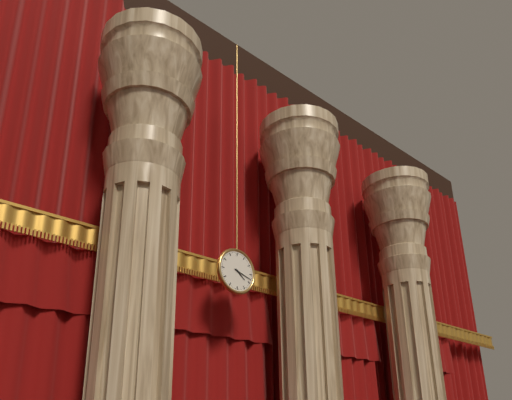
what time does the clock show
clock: 4:18
